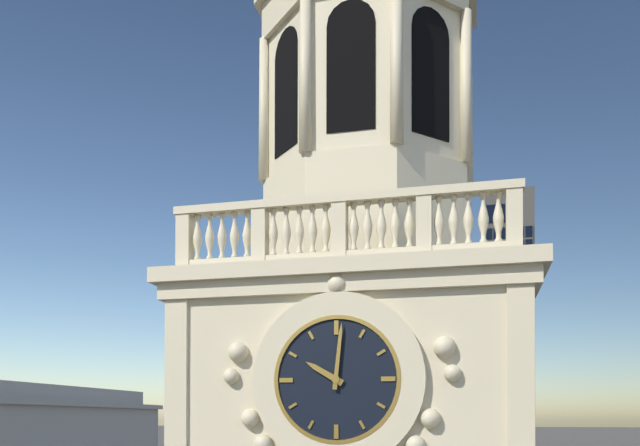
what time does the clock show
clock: 10:01
